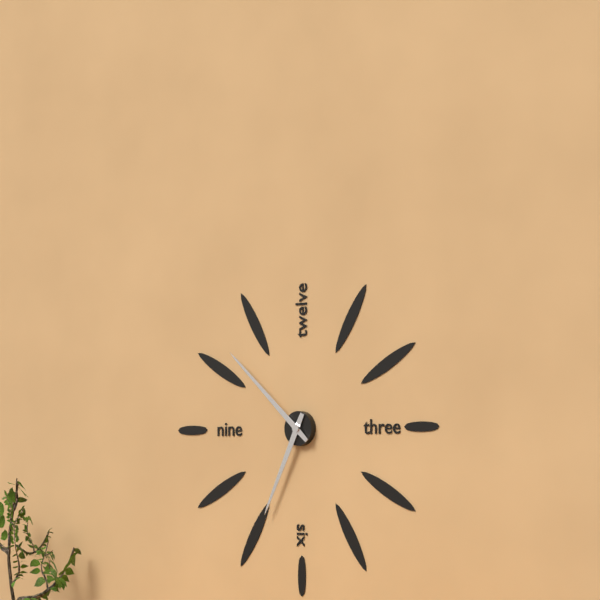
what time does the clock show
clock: 6:52
